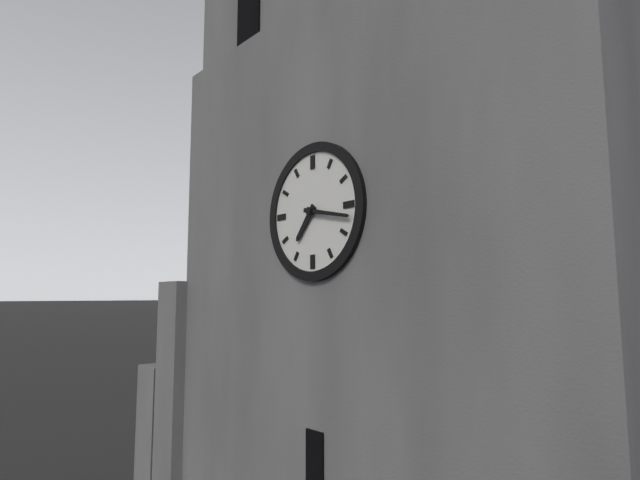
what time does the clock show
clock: 7:17
